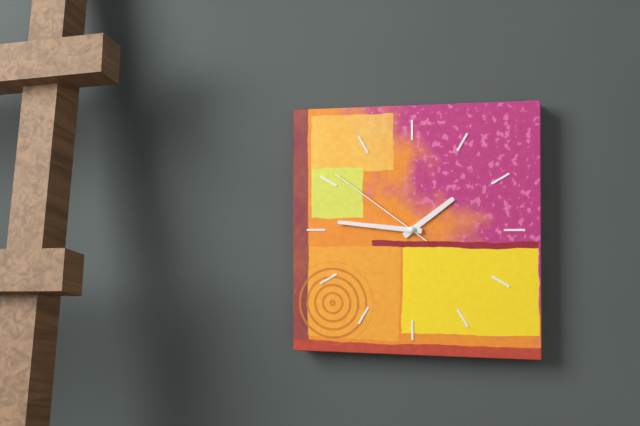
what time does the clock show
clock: 1:46:51
